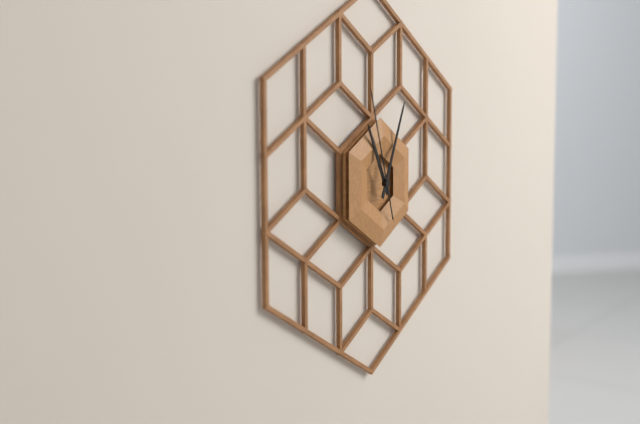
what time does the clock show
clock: 11:04:57
